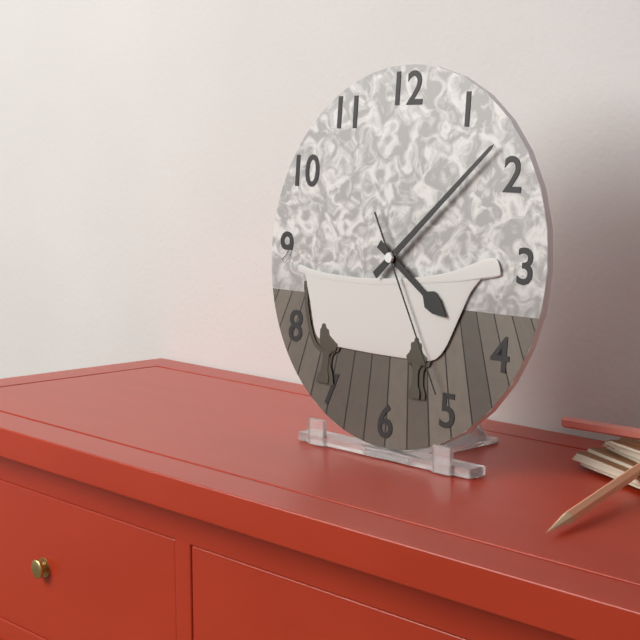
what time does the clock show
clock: 4:08:25
